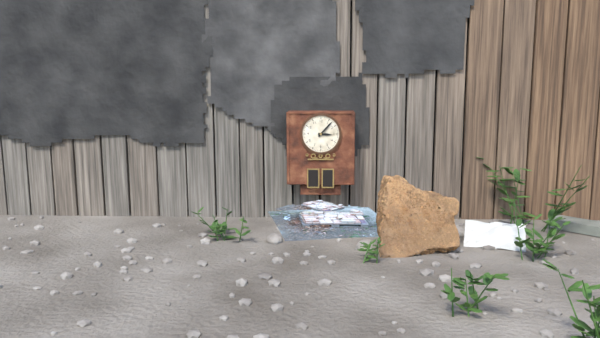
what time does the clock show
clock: 3:07
